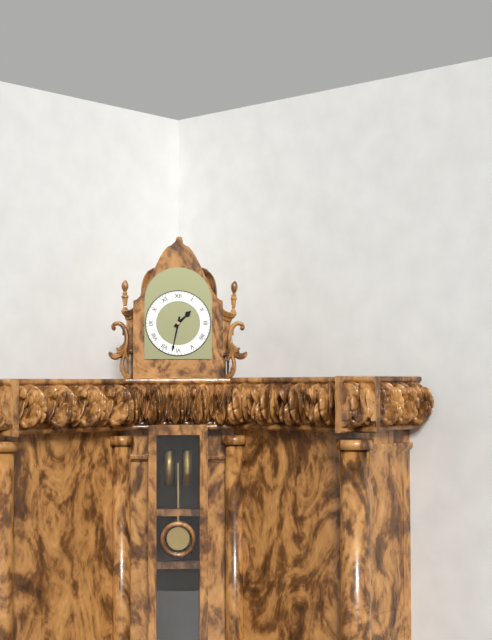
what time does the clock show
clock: 1:32
